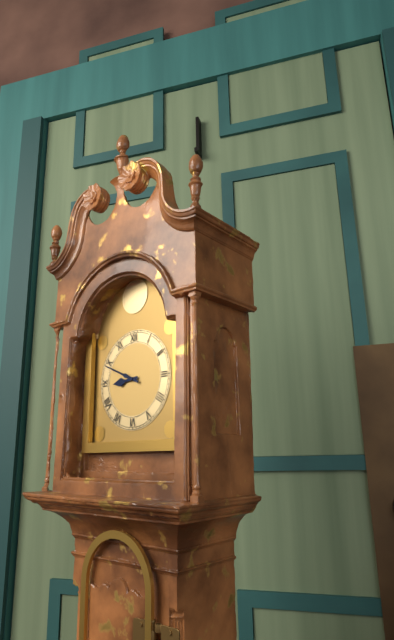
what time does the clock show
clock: 8:49
